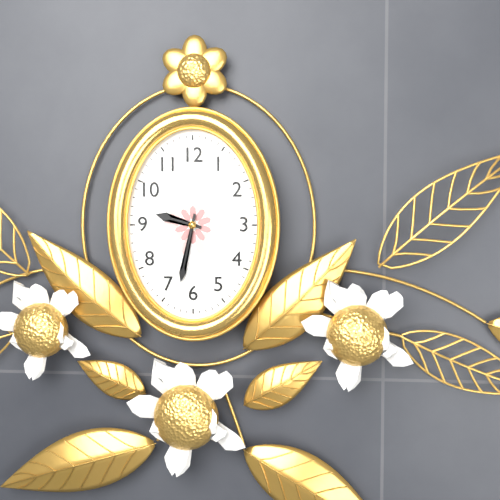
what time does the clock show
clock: 9:32
